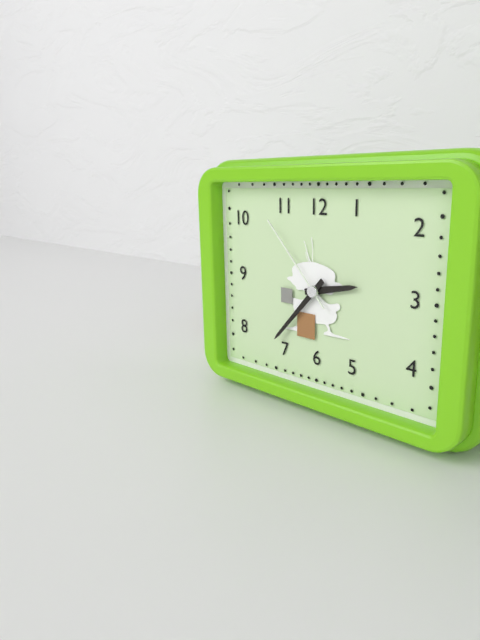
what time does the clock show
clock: 2:37:53
